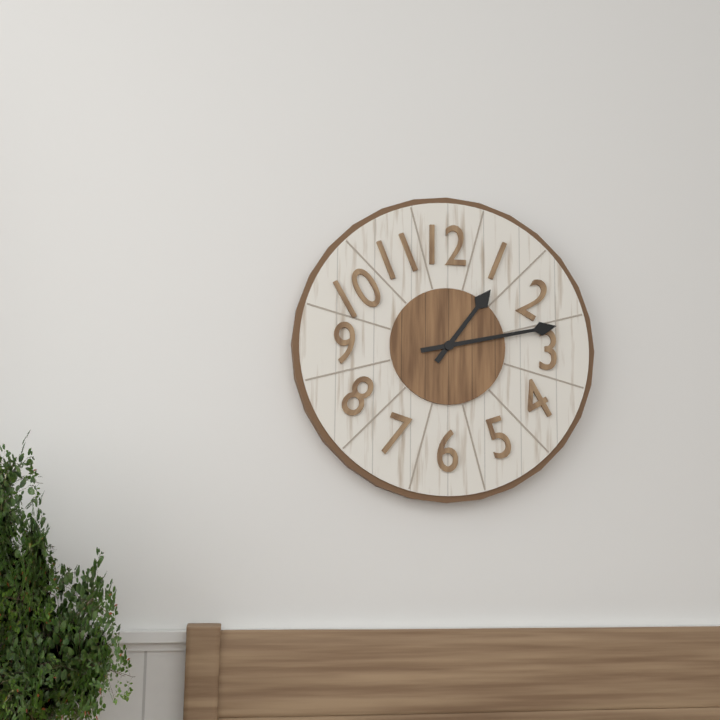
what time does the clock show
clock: 1:13
